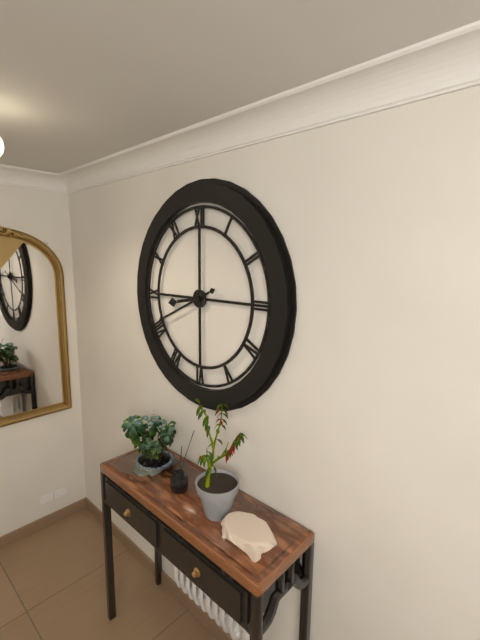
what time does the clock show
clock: 8:41
